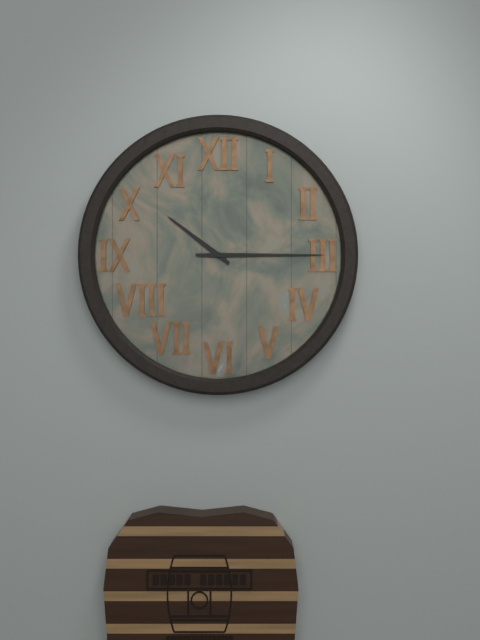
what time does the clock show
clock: 10:15
